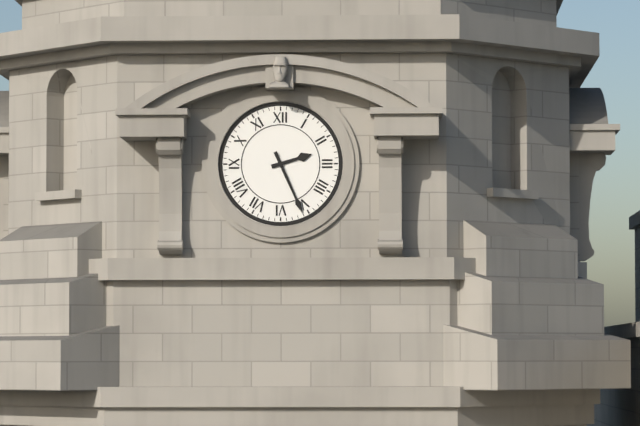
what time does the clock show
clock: 2:26
